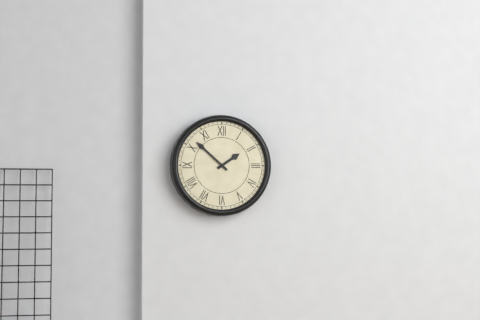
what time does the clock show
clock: 1:52
